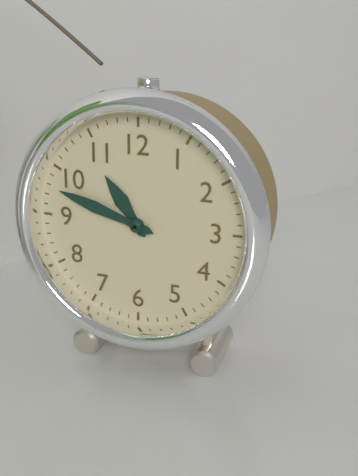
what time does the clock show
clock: 10:48
